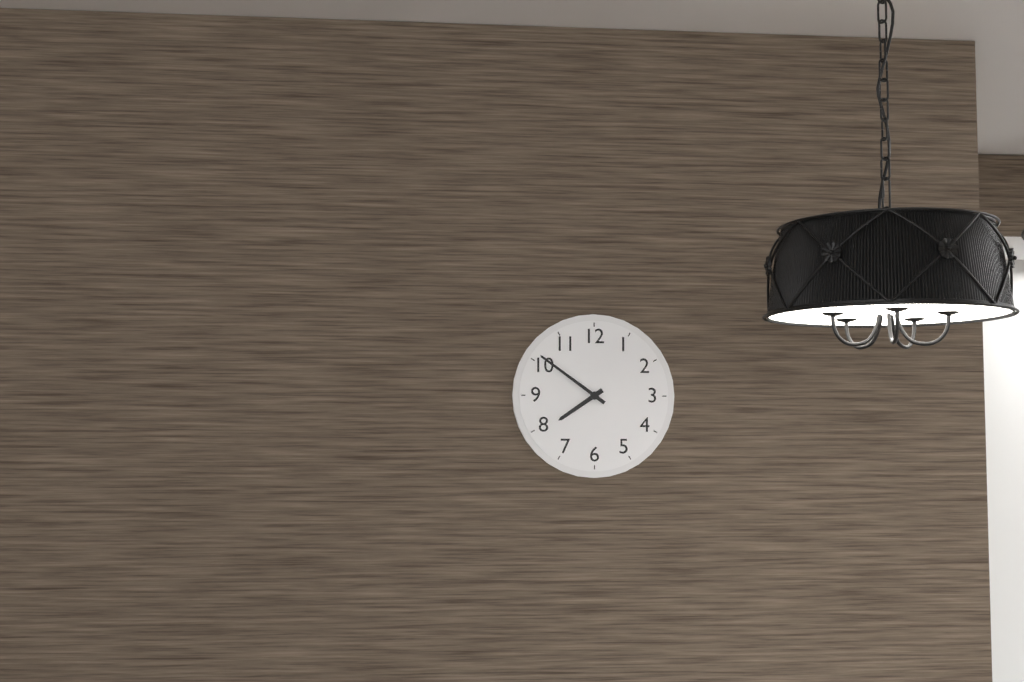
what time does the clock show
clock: 7:51
